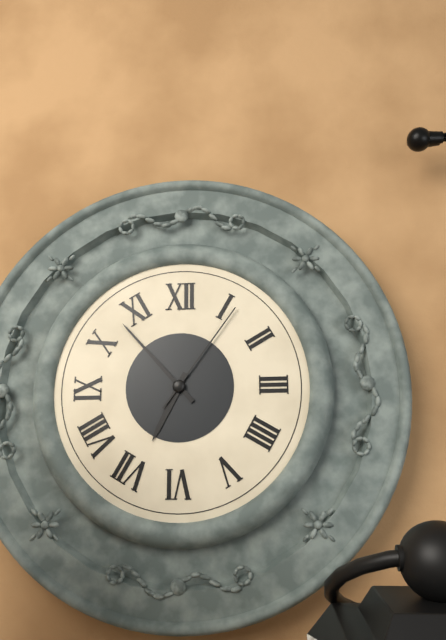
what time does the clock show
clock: 6:53:06
